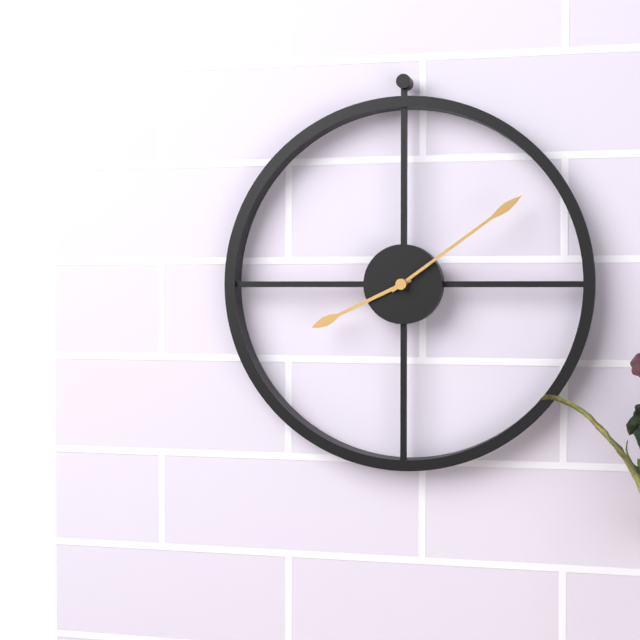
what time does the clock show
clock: 8:09
